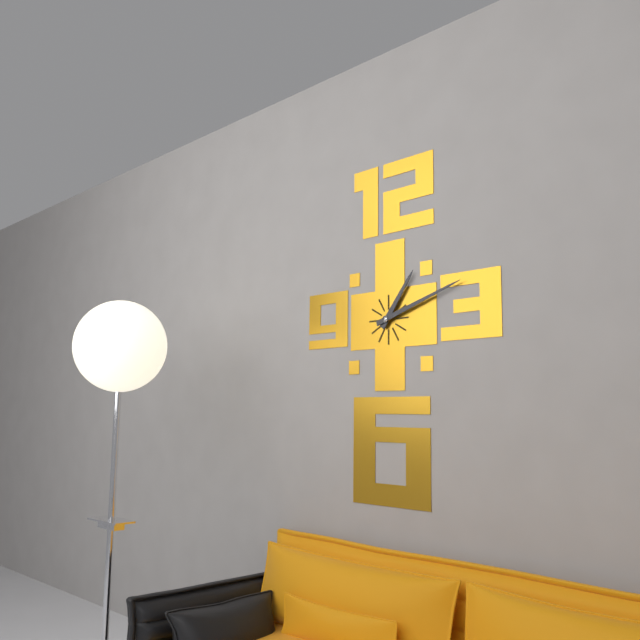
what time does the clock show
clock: 1:12
